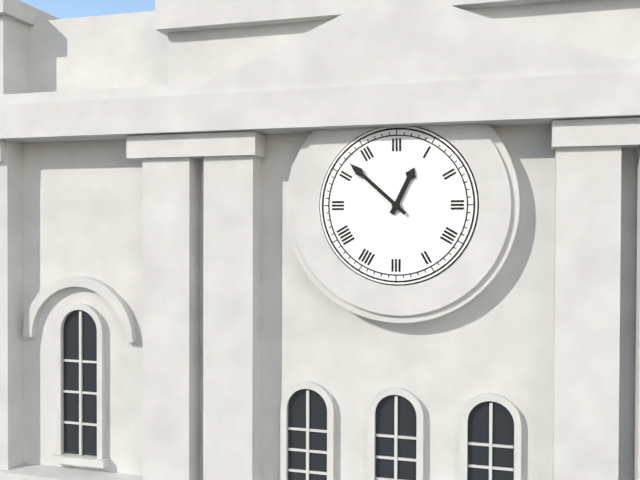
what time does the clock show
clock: 12:52
